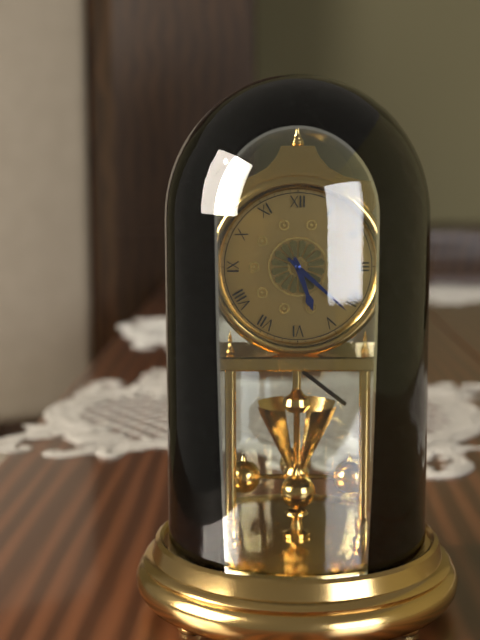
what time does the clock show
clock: 5:22
